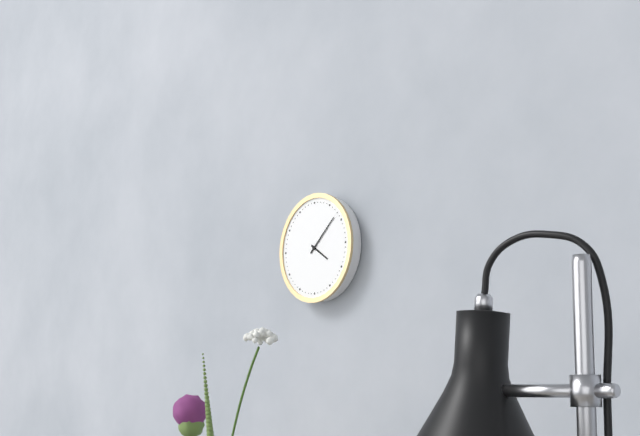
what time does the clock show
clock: 4:08
